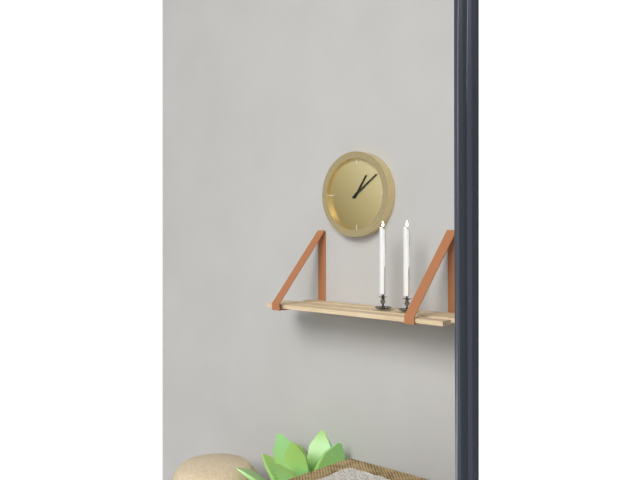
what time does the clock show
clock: 1:09
